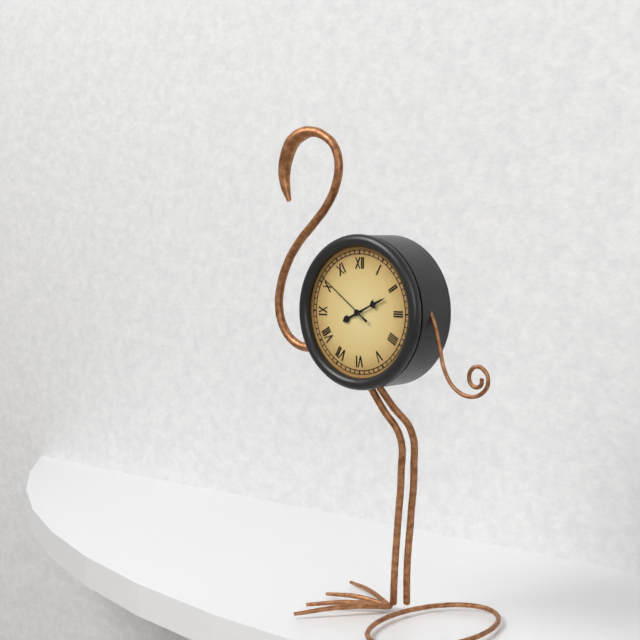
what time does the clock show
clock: 8:11:51
